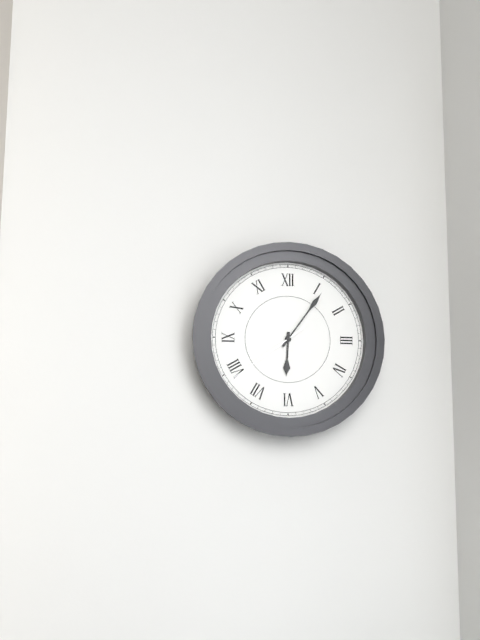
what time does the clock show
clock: 6:06:39
